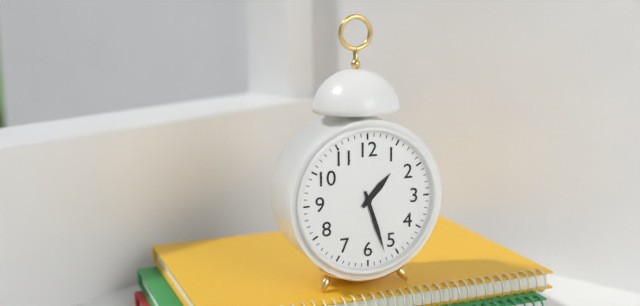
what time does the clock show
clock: 1:27
